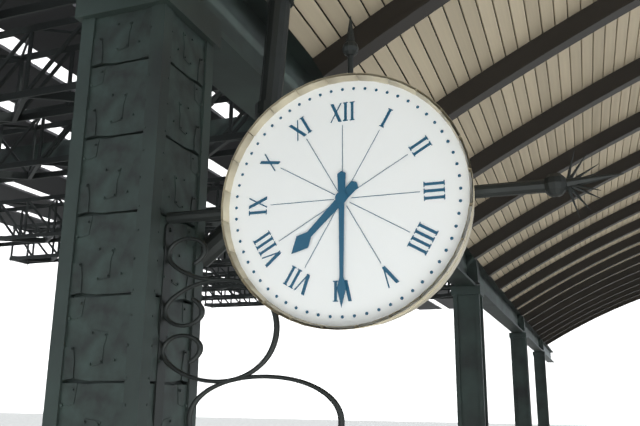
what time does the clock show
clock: 7:30
